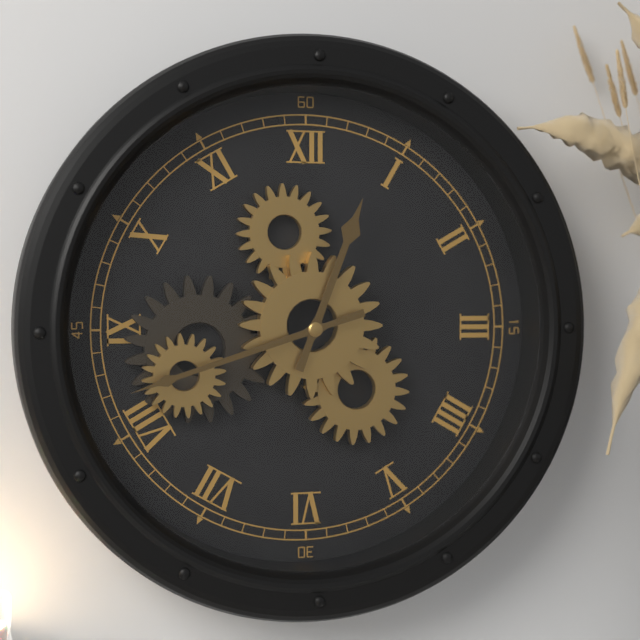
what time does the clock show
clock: 12:42
